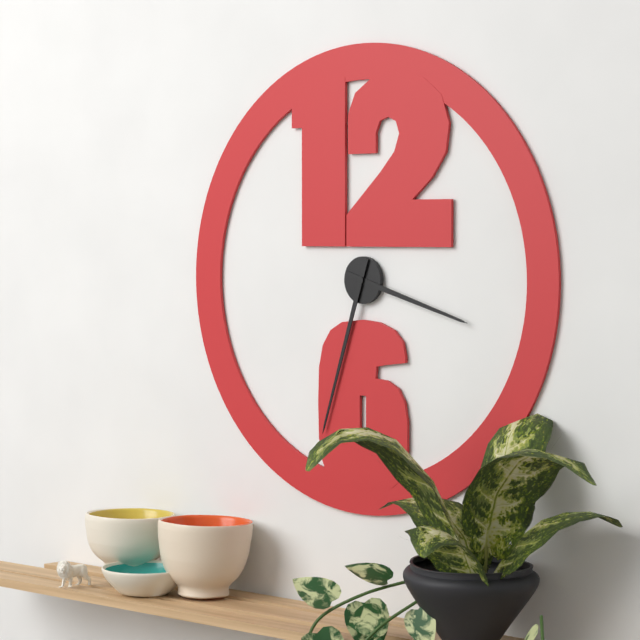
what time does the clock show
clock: 3:33
